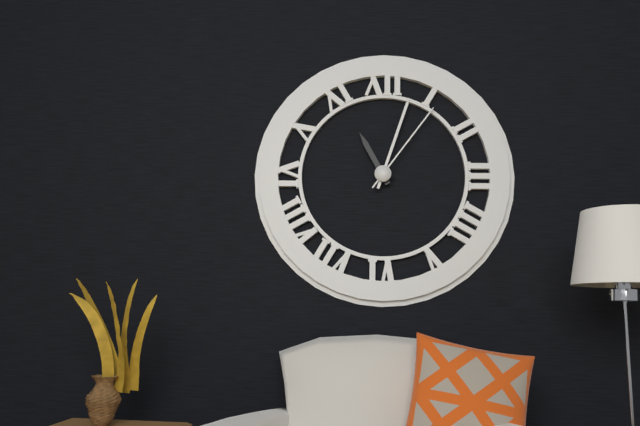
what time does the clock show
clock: 11:03:06
